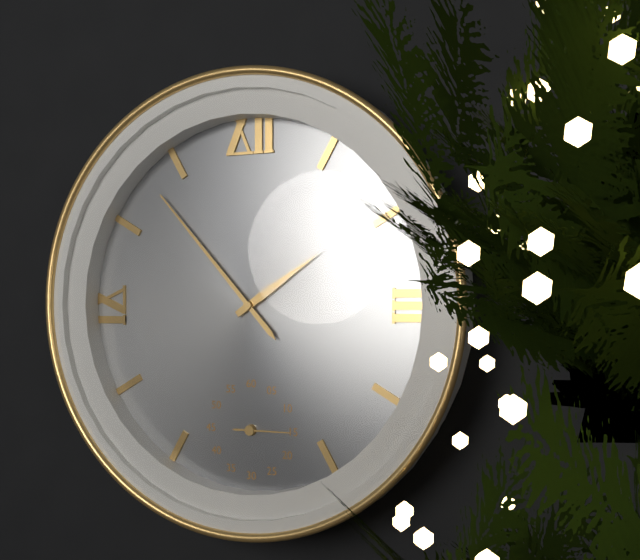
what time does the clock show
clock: 1:53
